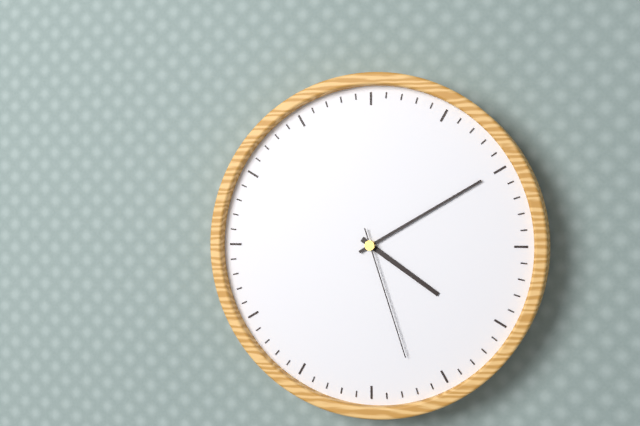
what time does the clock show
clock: 4:10:27
